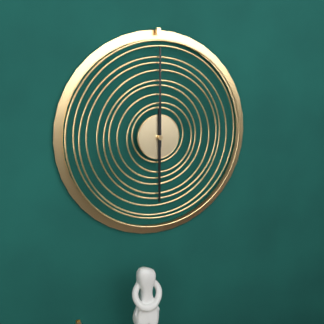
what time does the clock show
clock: 6:00
